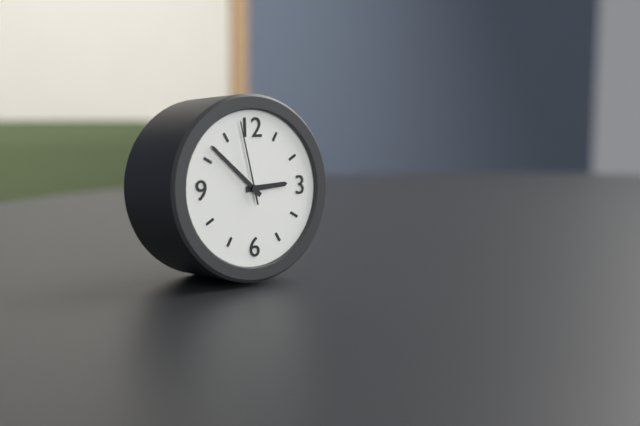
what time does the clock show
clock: 2:52:58
